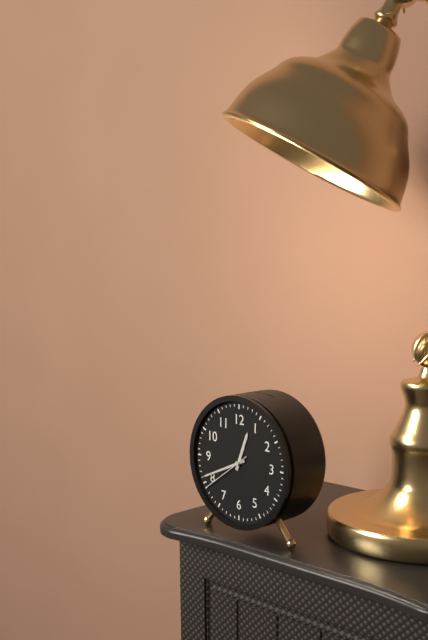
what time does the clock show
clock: 12:41:39
